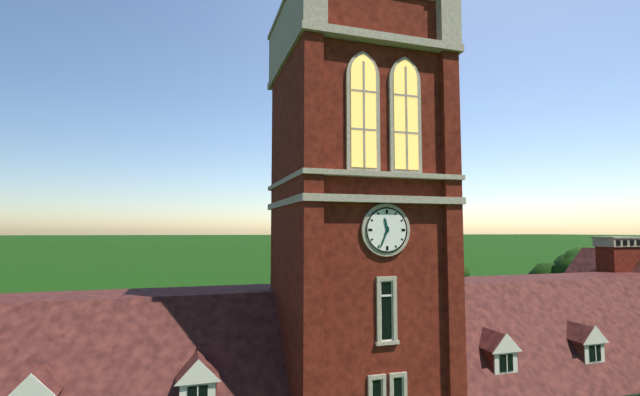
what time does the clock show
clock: 11:34
